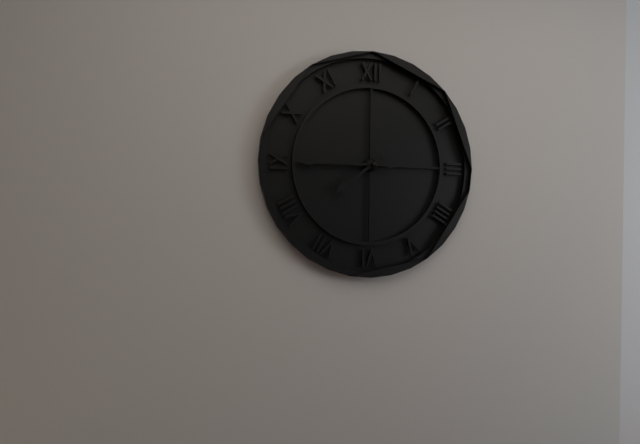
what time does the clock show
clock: 7:45
